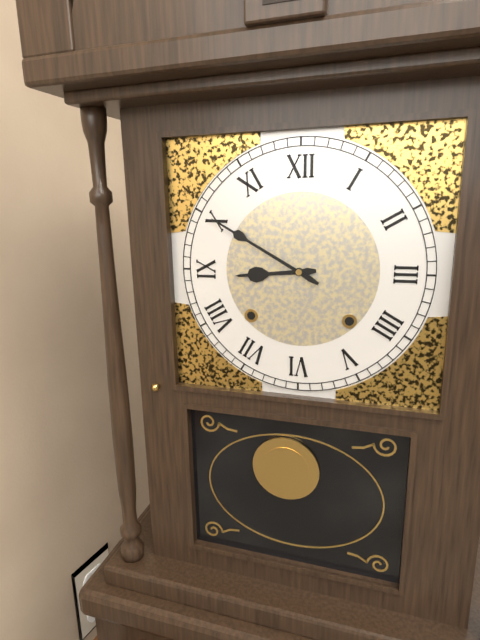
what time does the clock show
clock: 8:50
